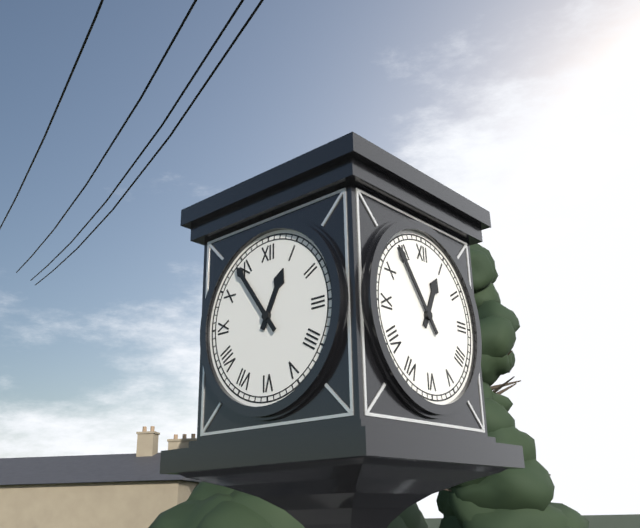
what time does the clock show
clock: 12:54
